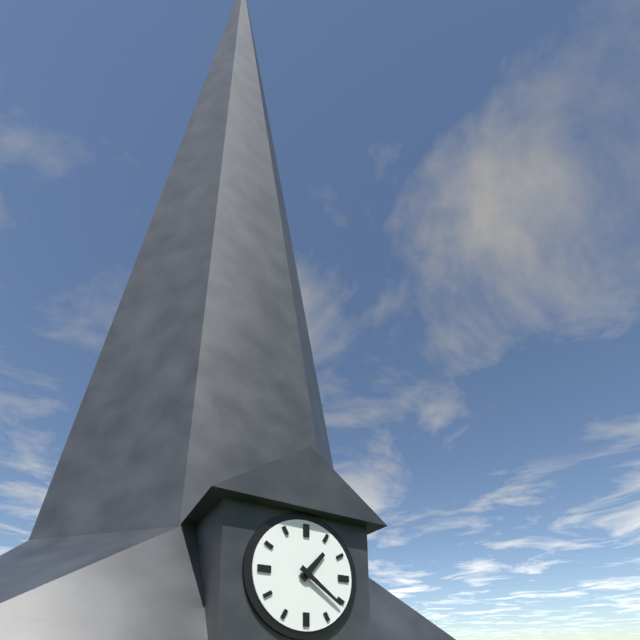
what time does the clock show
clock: 1:21
